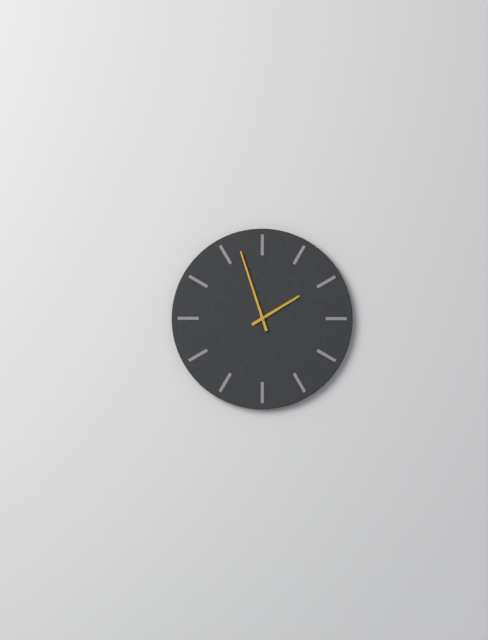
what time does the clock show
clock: 1:57
